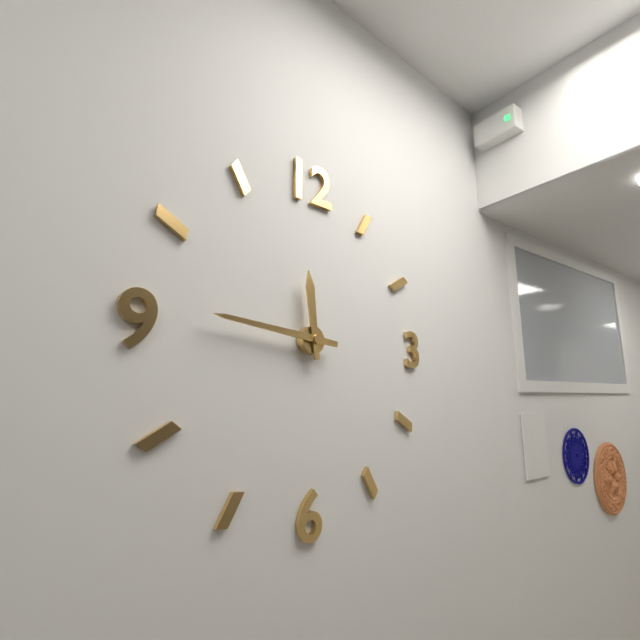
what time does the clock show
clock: 11:46
